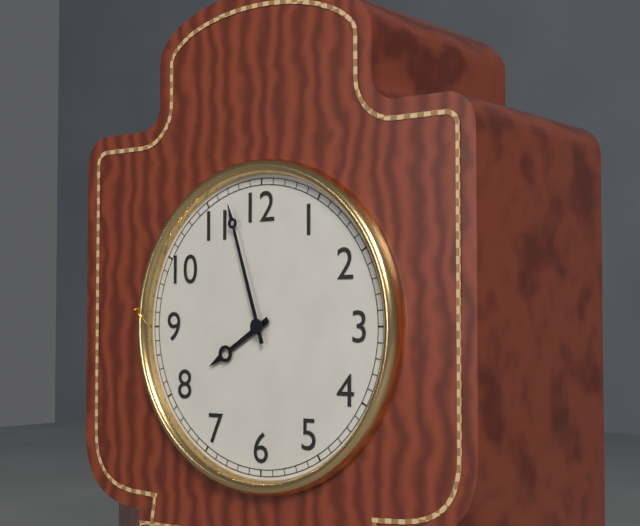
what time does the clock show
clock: 7:57
